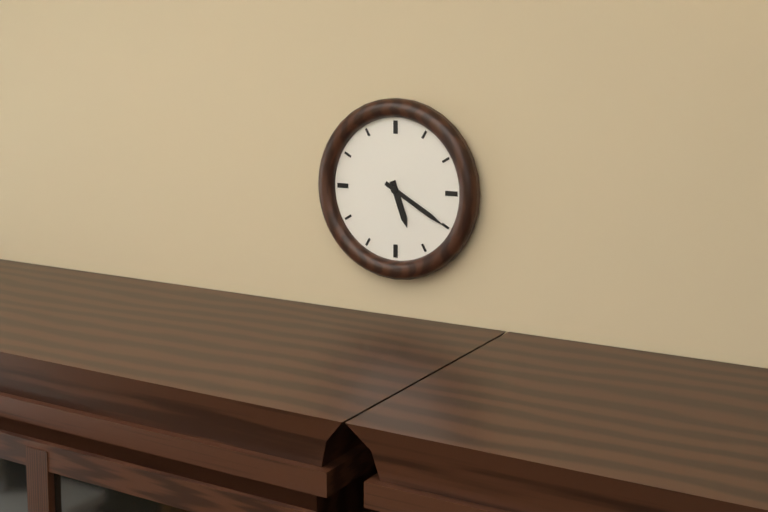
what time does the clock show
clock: 5:20
